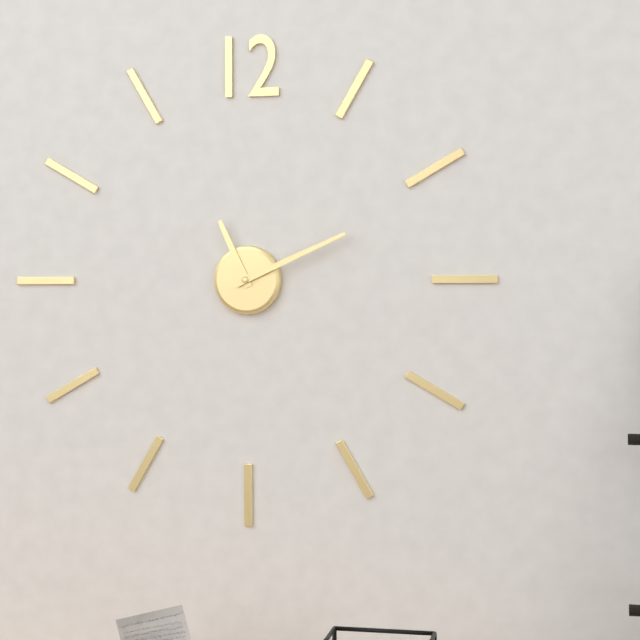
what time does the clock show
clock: 11:11
